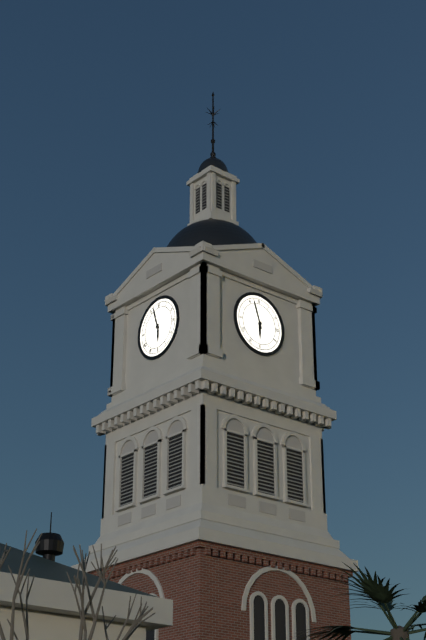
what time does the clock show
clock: 5:57
